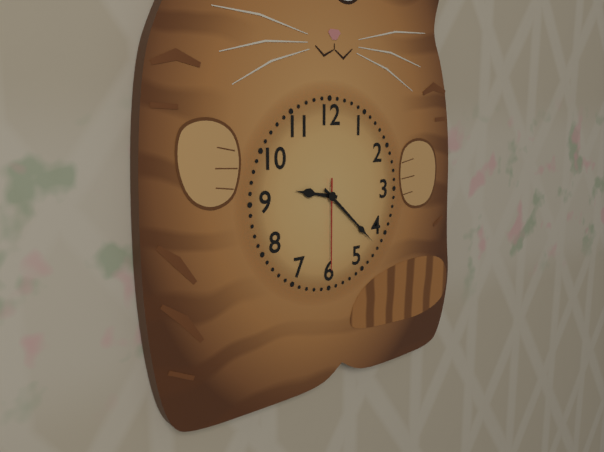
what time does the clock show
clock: 9:22:30
